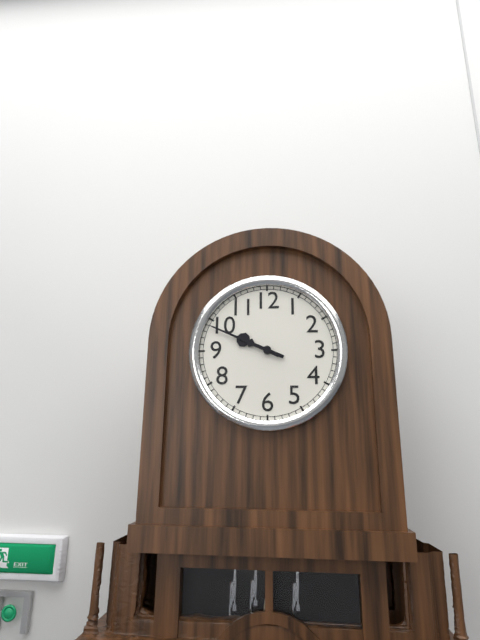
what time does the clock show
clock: 9:49
